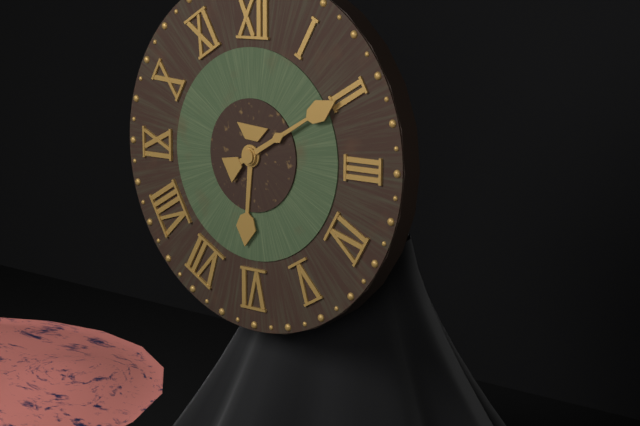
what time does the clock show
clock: 6:10
